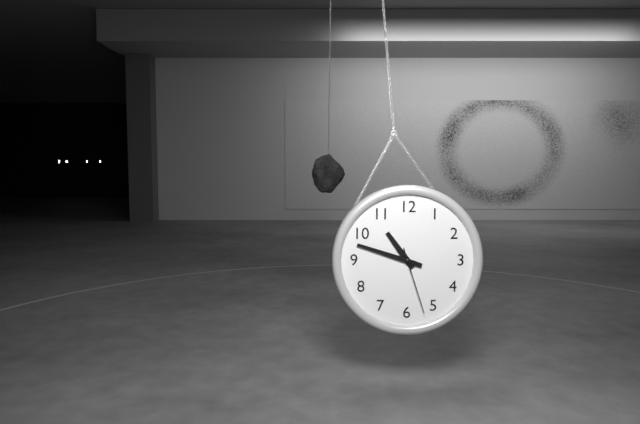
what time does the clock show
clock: 10:48:27
